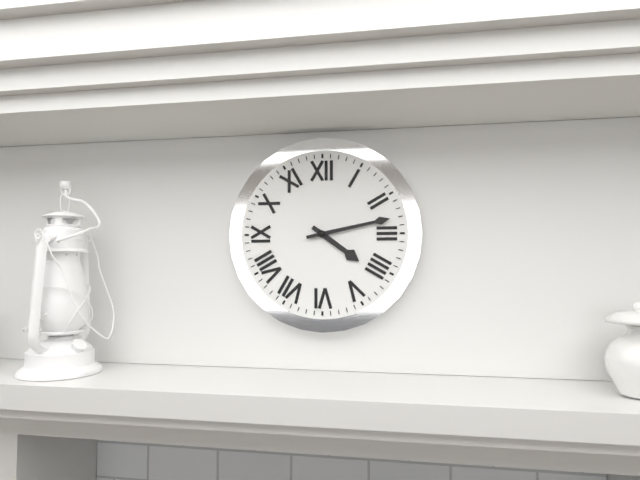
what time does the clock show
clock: 4:13
